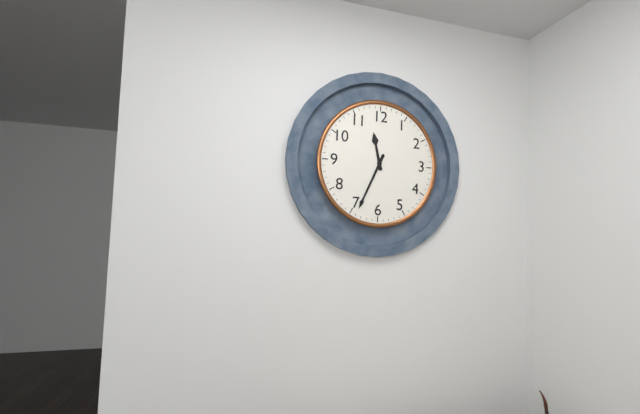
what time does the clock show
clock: 11:34
